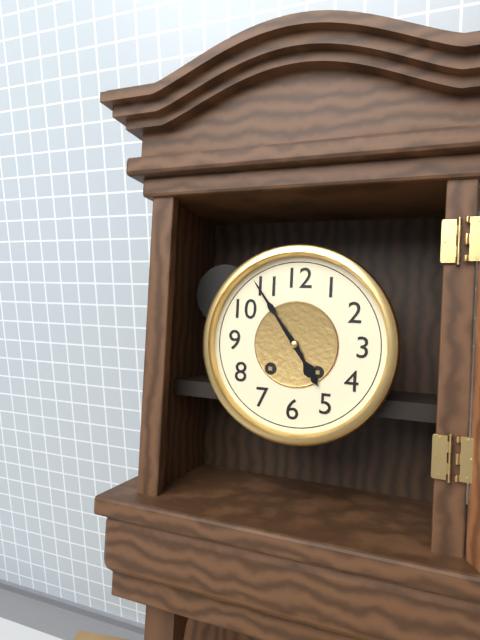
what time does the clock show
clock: 4:54
